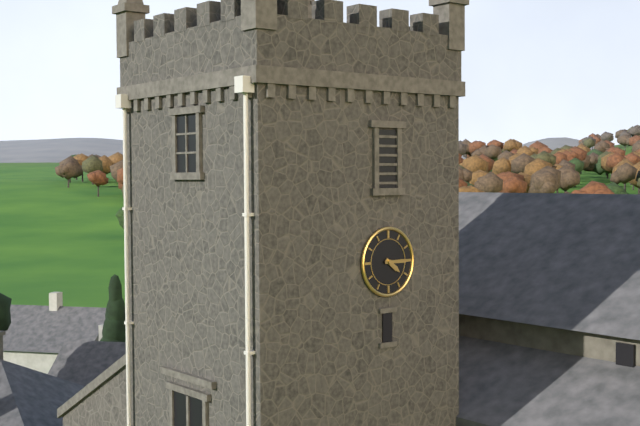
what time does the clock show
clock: 4:15
